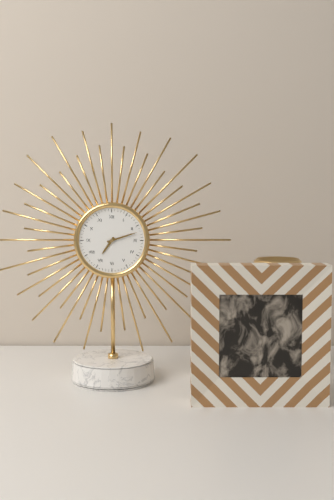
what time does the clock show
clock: 7:12
